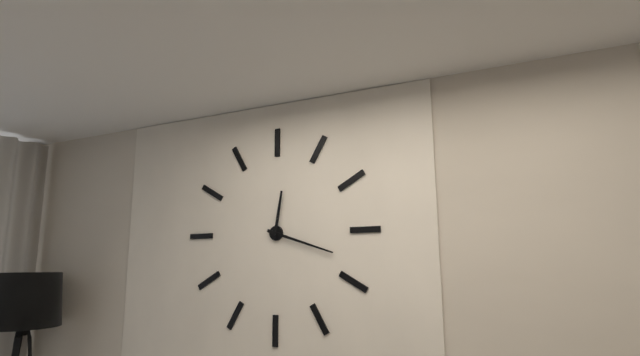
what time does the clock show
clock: 12:18
